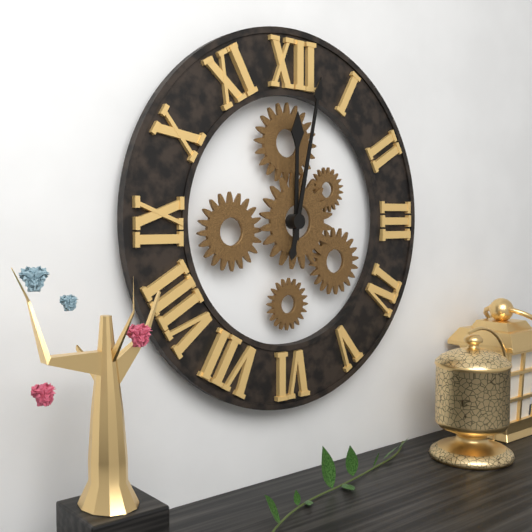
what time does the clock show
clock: 12:02
